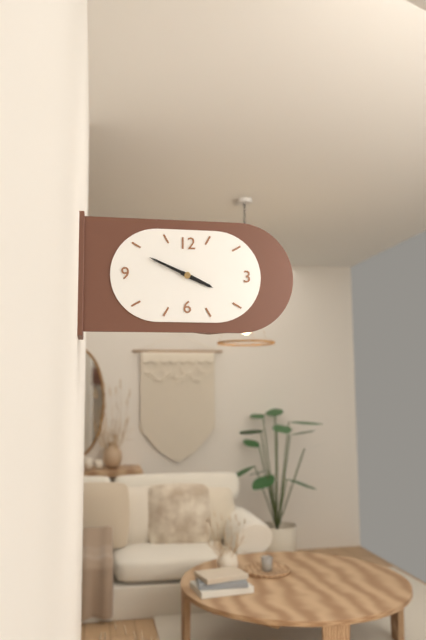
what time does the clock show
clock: 3:49
